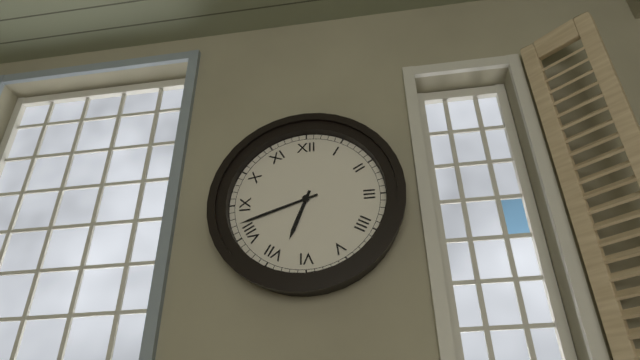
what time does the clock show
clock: 6:42
